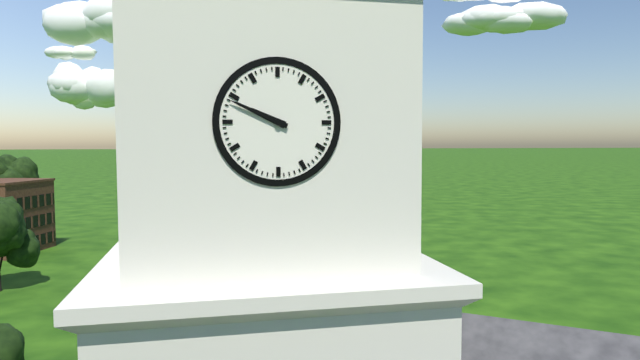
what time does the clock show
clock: 9:49
